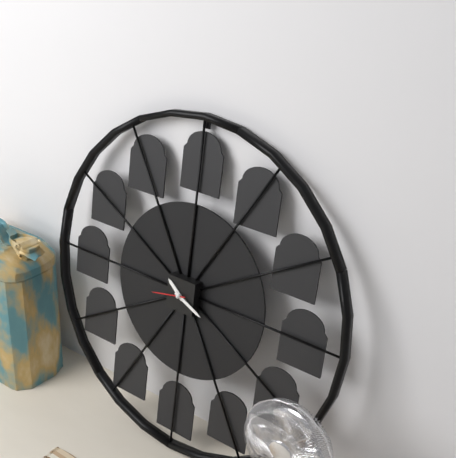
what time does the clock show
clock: 10:19
